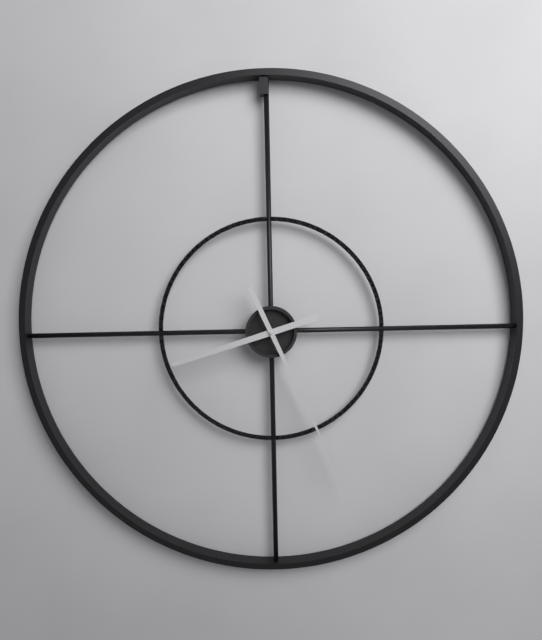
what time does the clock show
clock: 8:26
